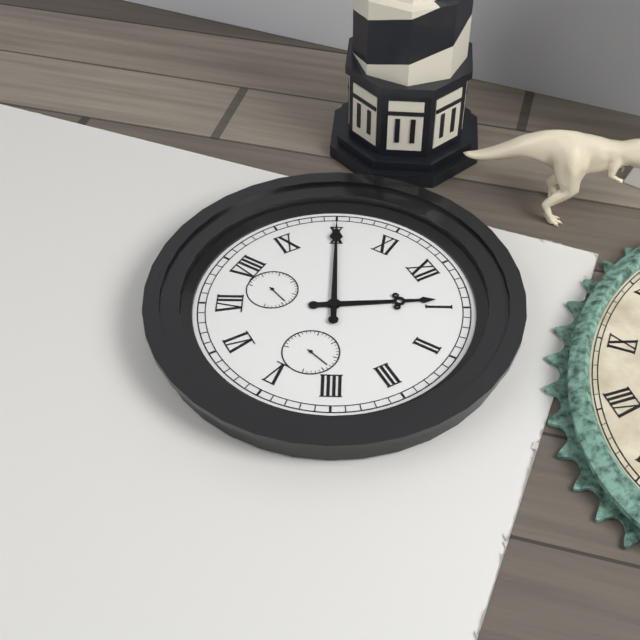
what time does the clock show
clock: 12:50
